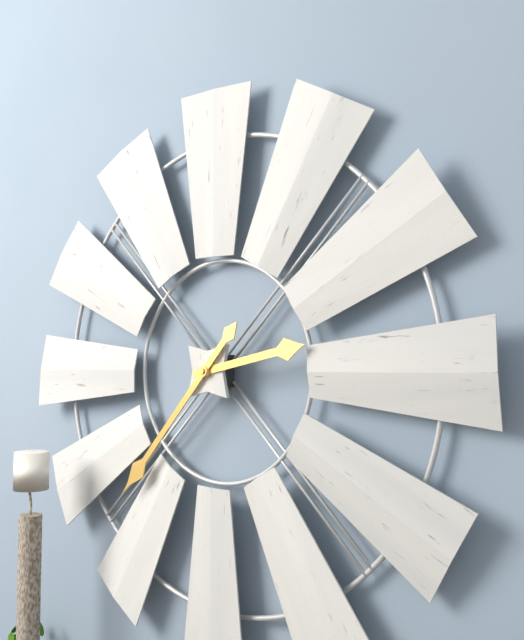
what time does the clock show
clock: 2:37
